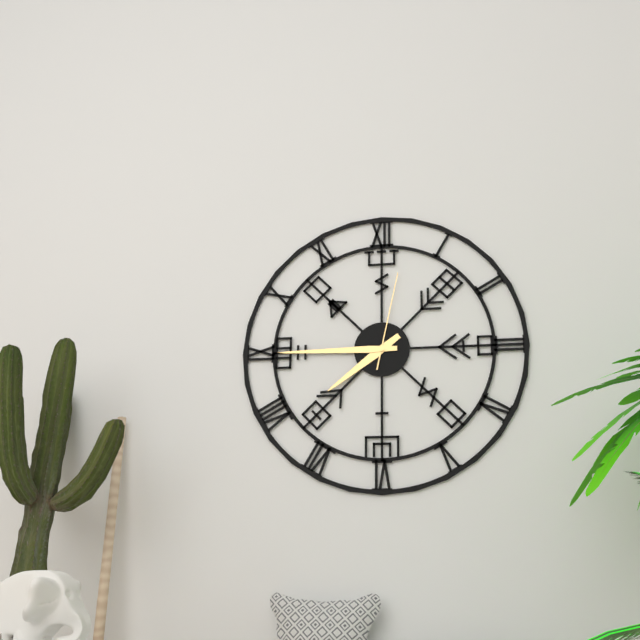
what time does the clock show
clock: 7:45:02
